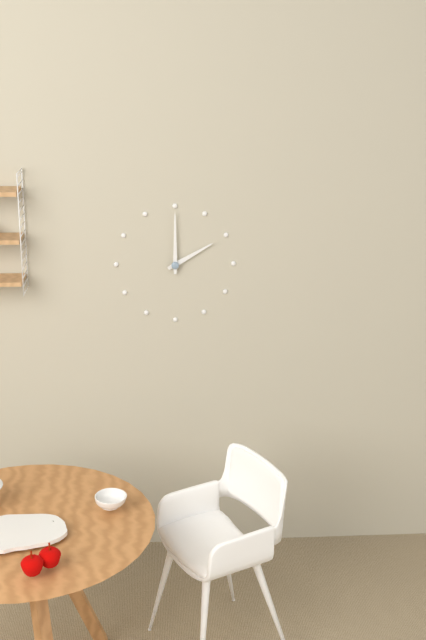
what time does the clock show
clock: 2:00
